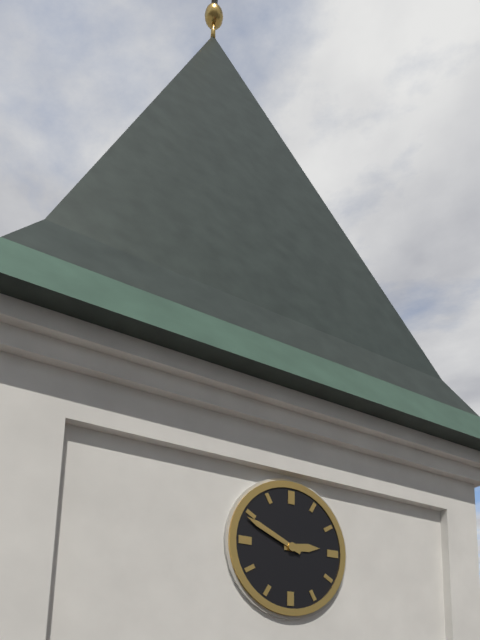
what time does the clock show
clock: 2:49
